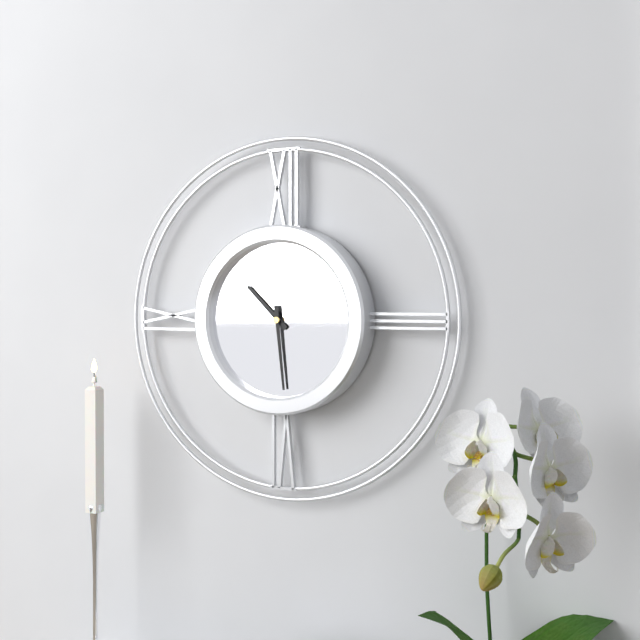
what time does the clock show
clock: 10:29
